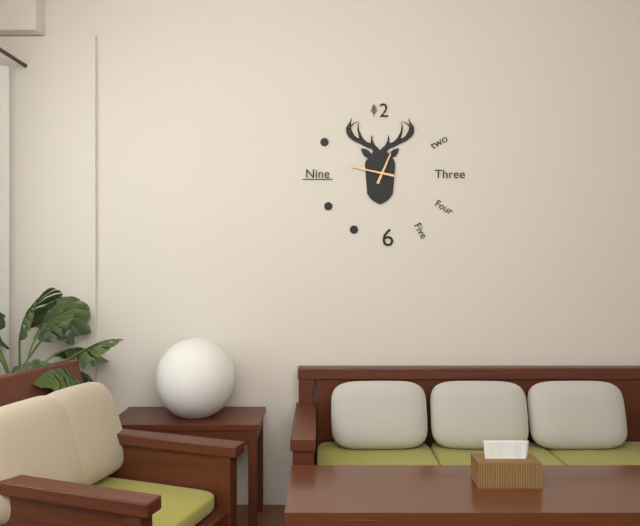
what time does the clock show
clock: 12:47
